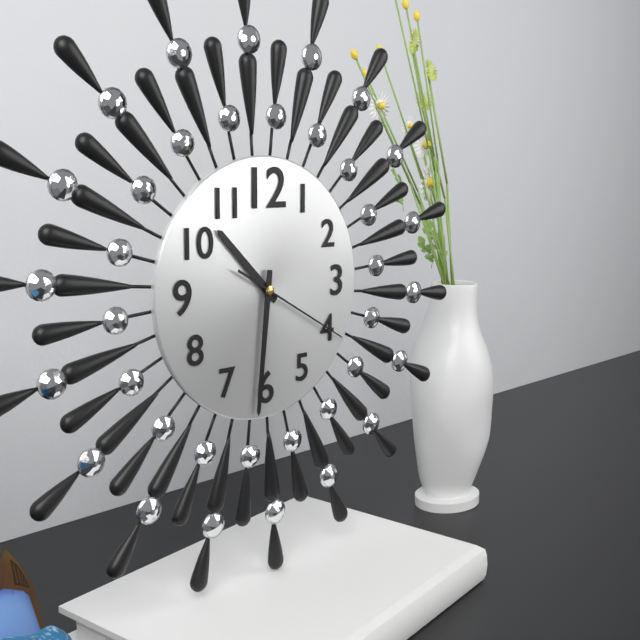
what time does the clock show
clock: 10:31:20
